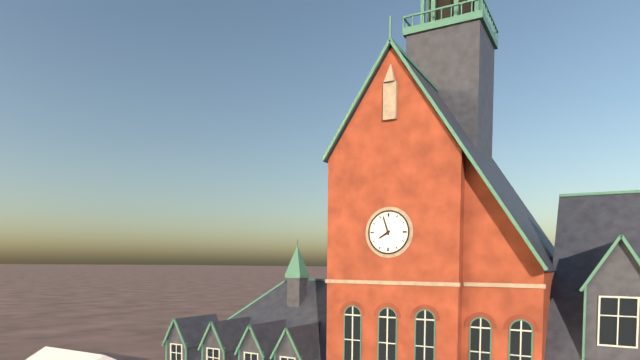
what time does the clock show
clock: 7:57
